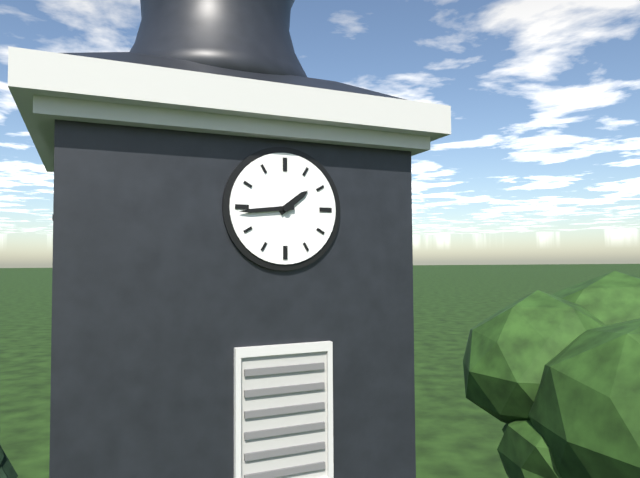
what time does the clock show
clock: 1:44
